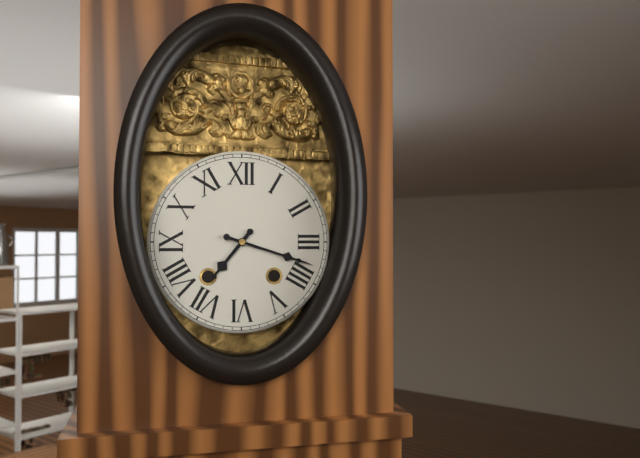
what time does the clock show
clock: 7:18
